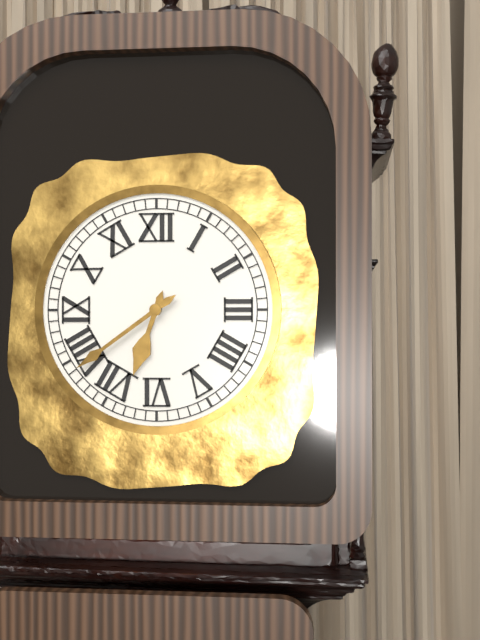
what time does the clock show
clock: 6:39
